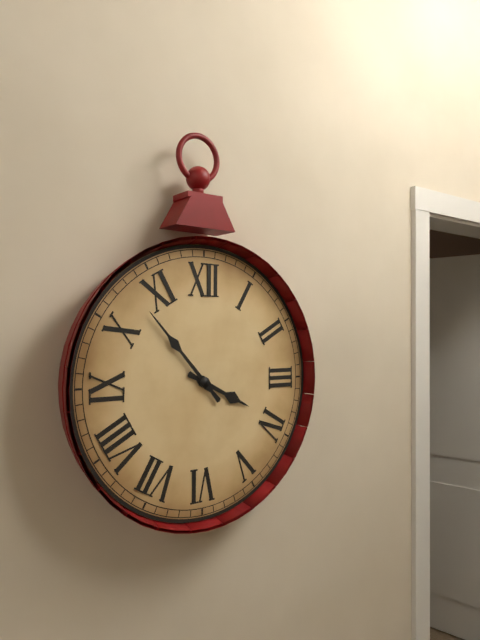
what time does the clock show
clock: 3:53
